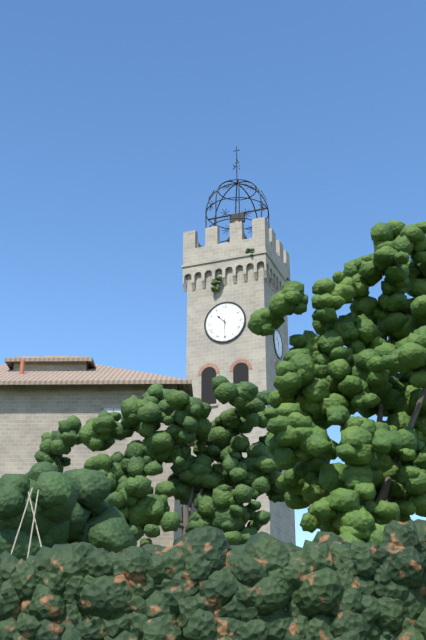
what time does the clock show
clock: 10:30
